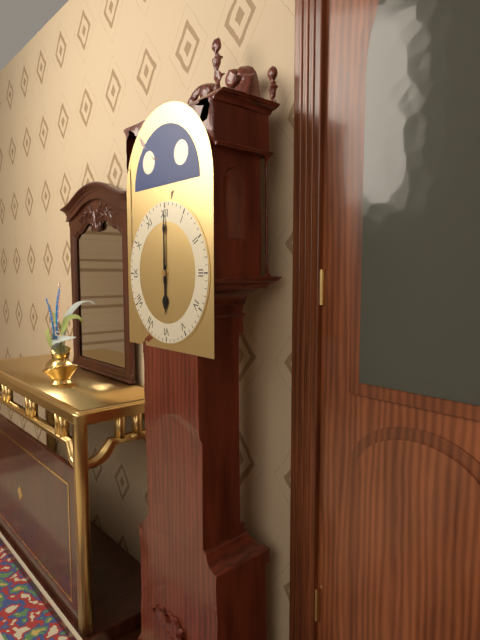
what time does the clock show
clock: 6:00
